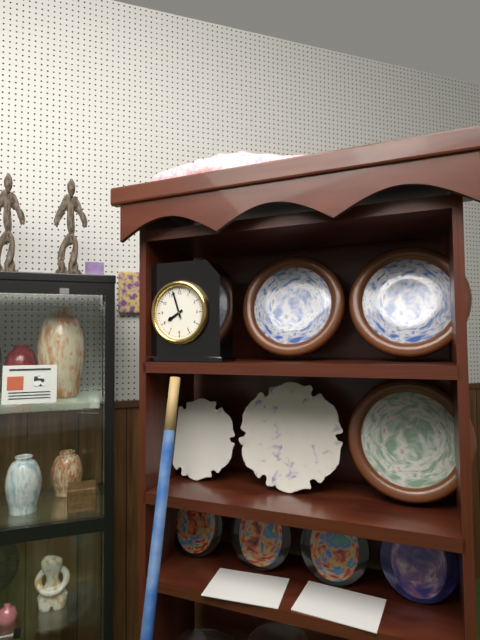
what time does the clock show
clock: 7:57
